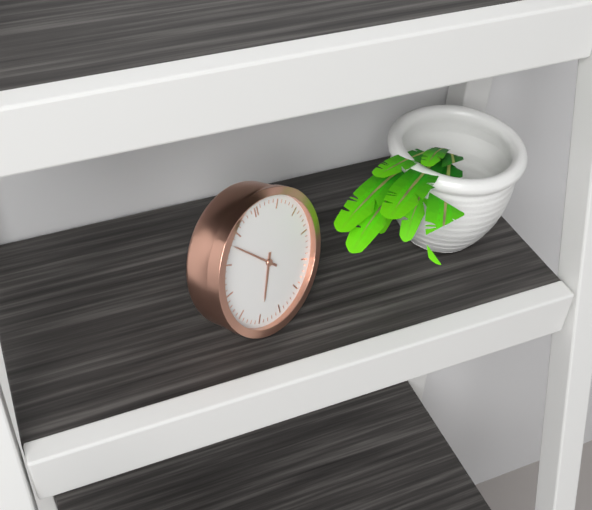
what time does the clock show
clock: 6:53
